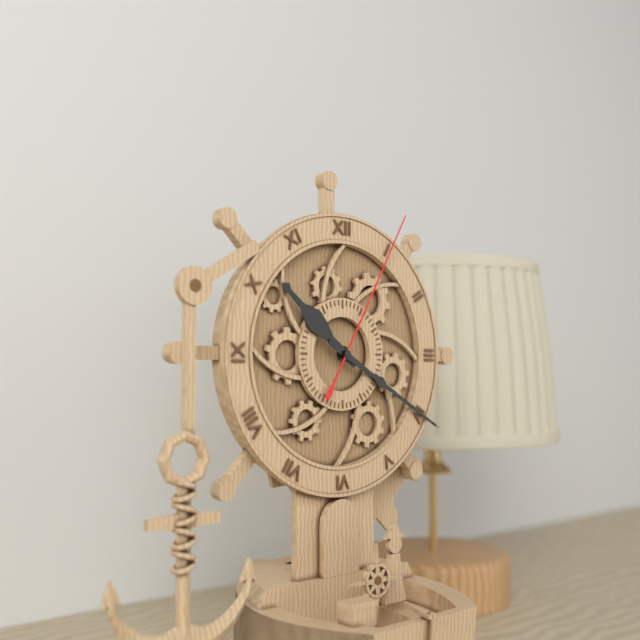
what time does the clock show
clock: 10:20:05
